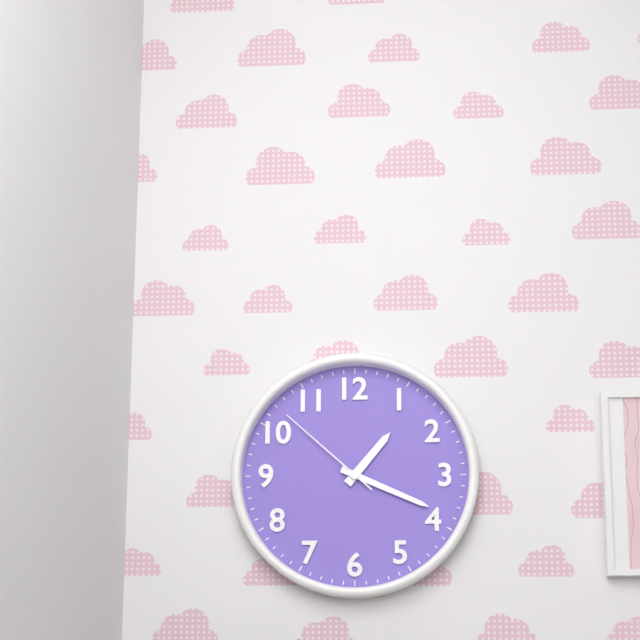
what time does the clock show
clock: 1:19:52
